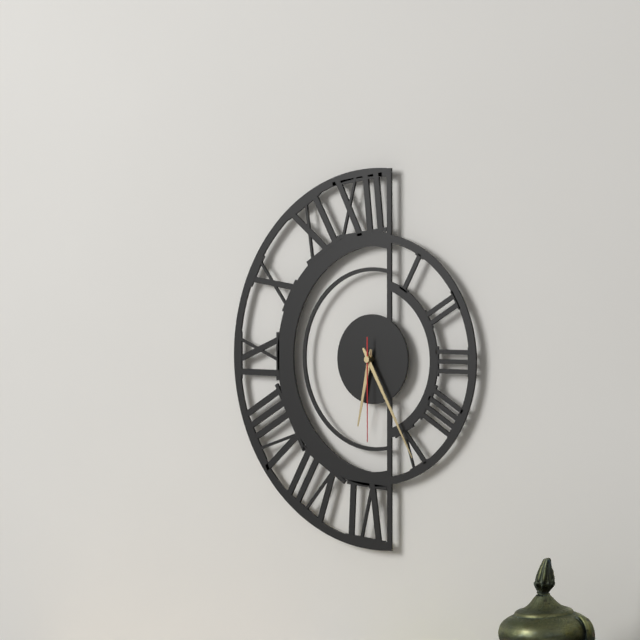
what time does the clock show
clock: 6:25:30
